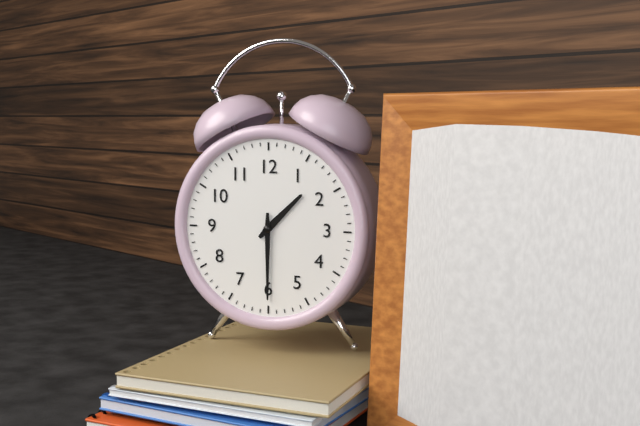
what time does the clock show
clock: 1:30
